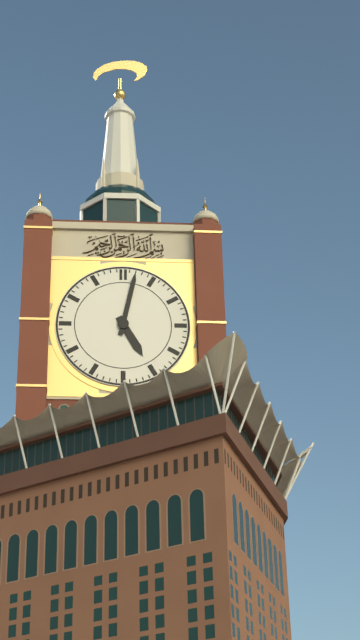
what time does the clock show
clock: 5:02
